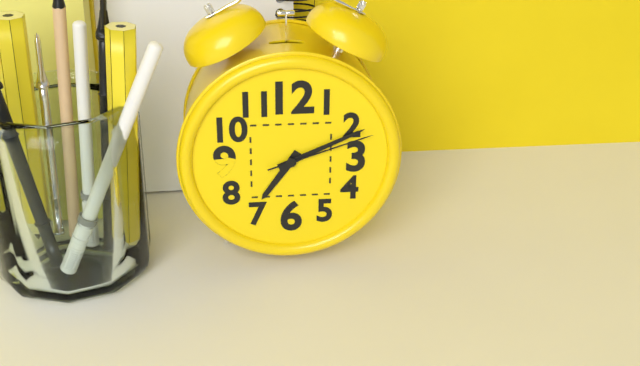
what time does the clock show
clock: 7:11:12
